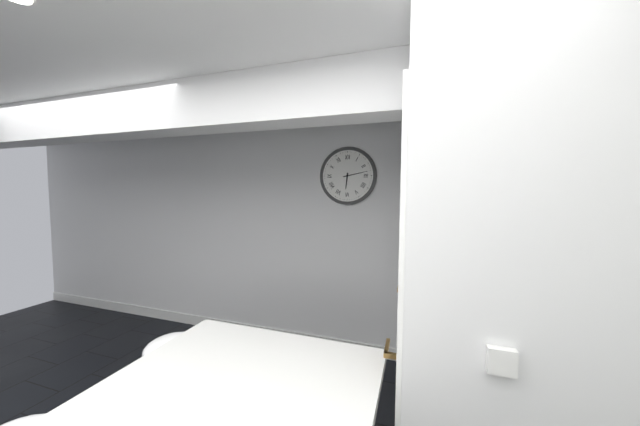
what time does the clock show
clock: 6:13
